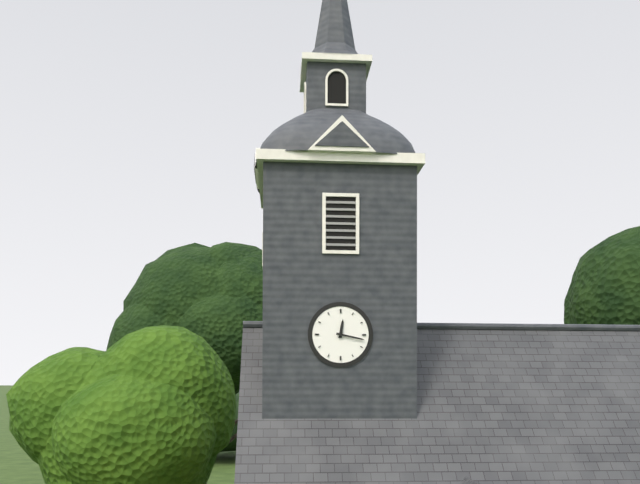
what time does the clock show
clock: 12:17
